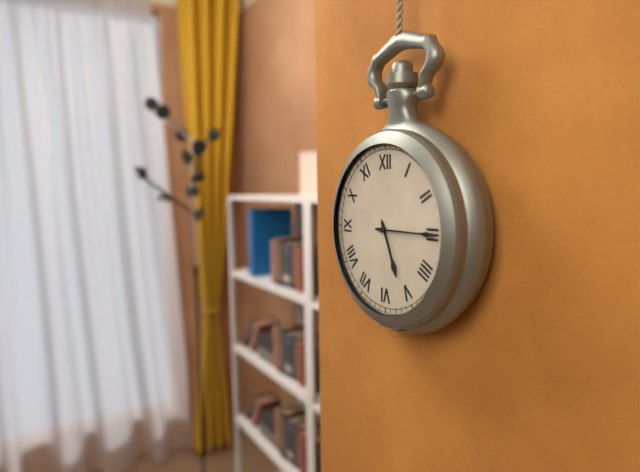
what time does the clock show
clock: 5:15
